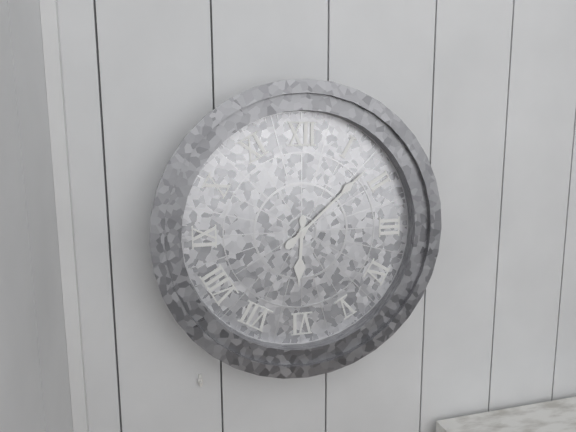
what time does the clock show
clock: 6:08
